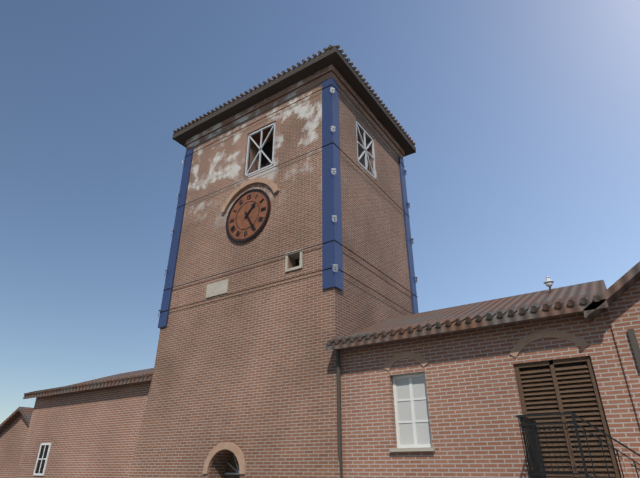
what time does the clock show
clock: 1:25
